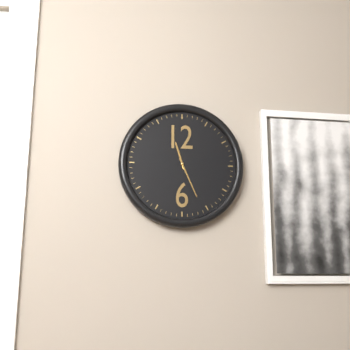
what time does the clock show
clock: 11:26
